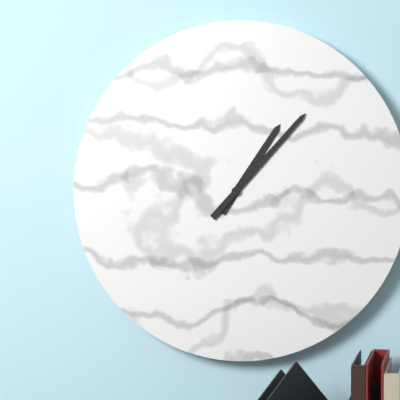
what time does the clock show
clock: 1:07
